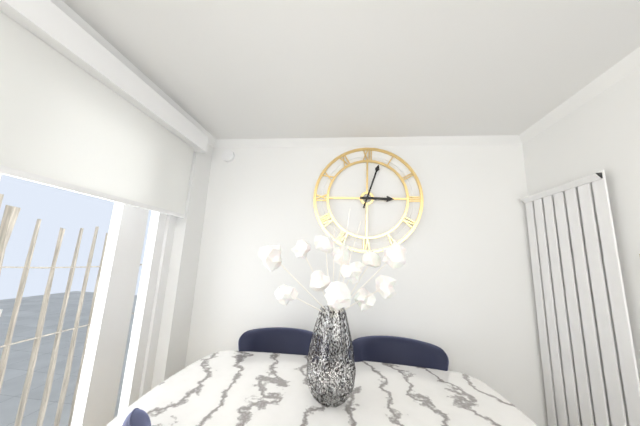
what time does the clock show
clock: 3:03
